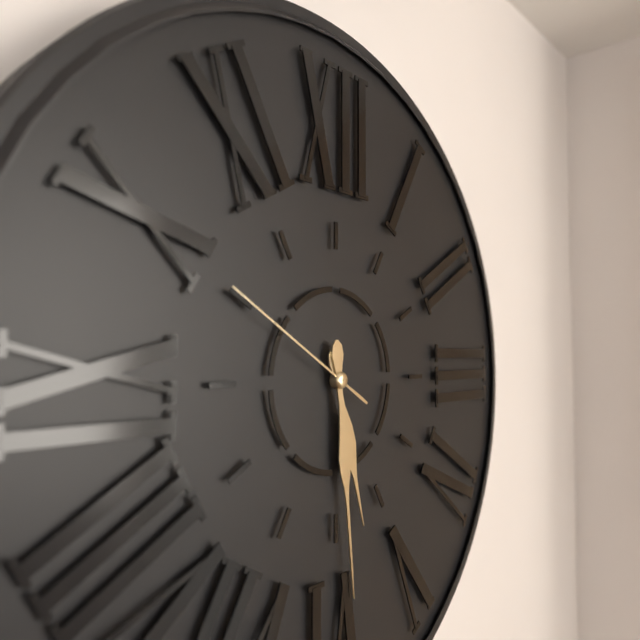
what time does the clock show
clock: 5:29:50
